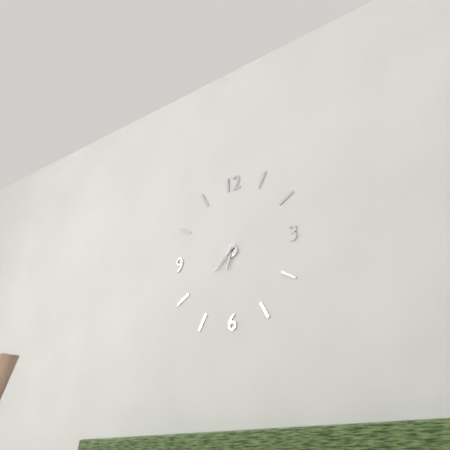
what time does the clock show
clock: 6:39
